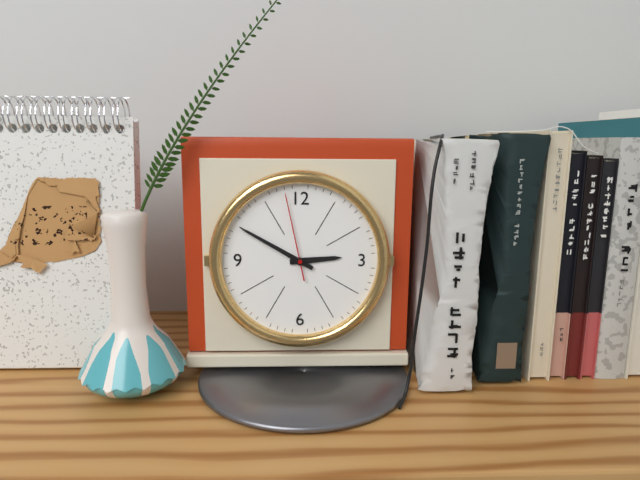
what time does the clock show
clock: 2:50:58
